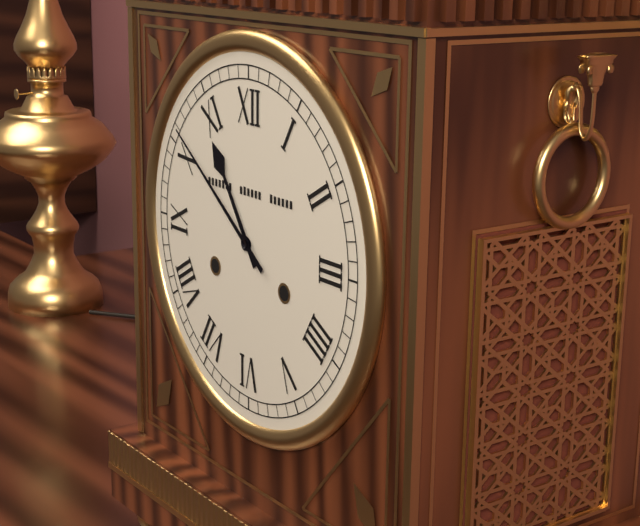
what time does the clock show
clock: 10:51
